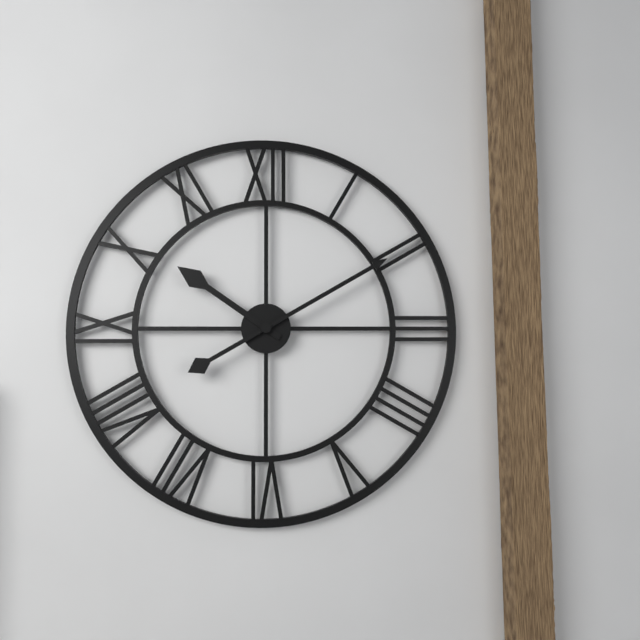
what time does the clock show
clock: 10:10
